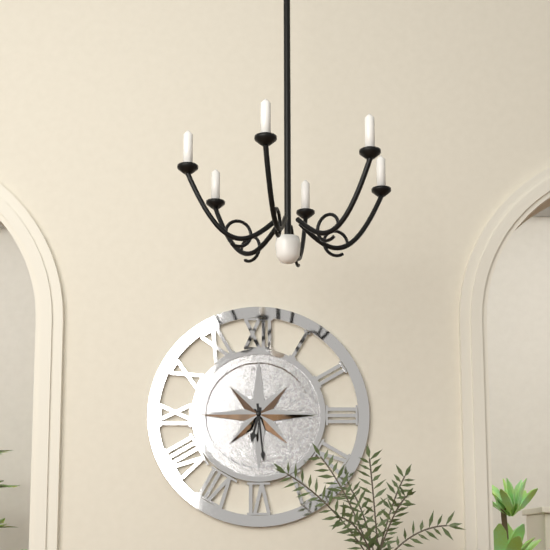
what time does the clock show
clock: 6:29
